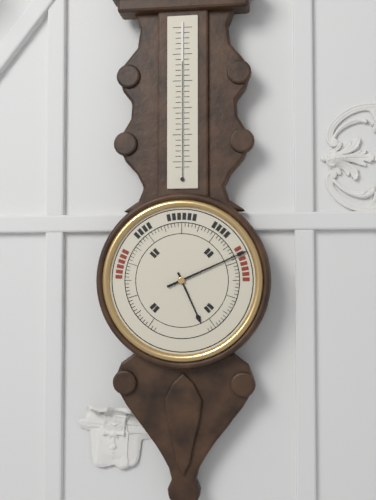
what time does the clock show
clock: 5:11
